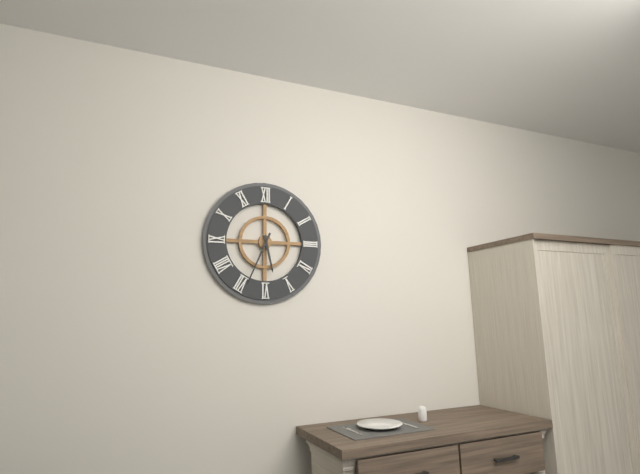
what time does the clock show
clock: 5:34
